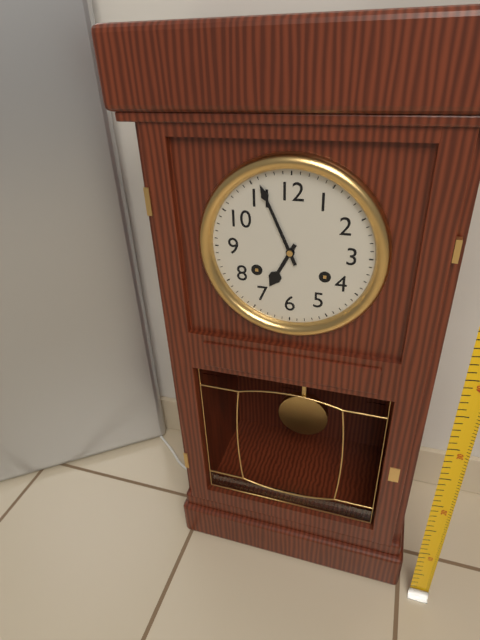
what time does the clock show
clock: 6:56
